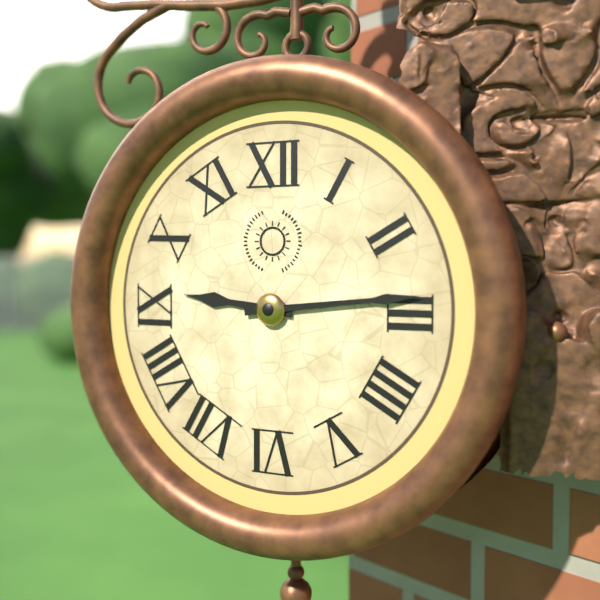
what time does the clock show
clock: 9:14
